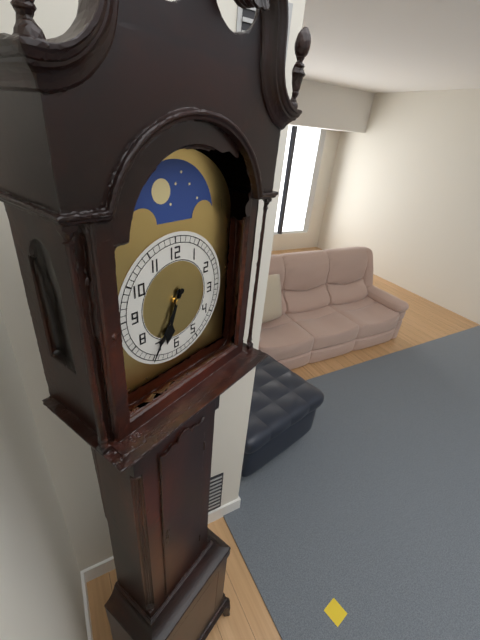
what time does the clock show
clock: 6:35
